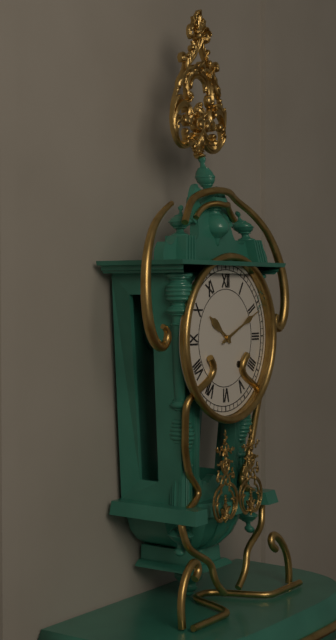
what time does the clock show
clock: 10:11
